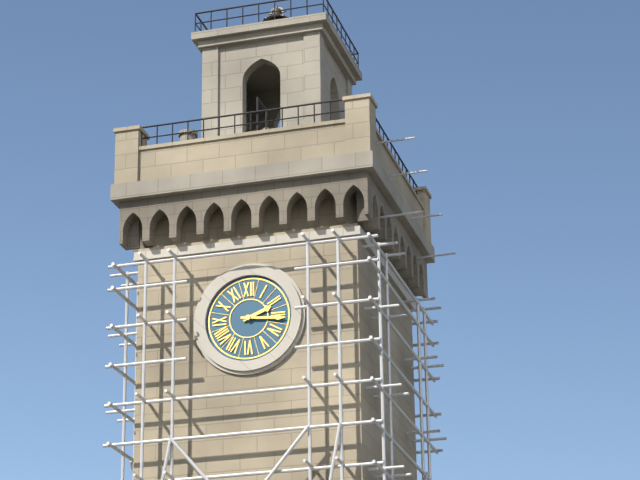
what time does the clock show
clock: 2:16
